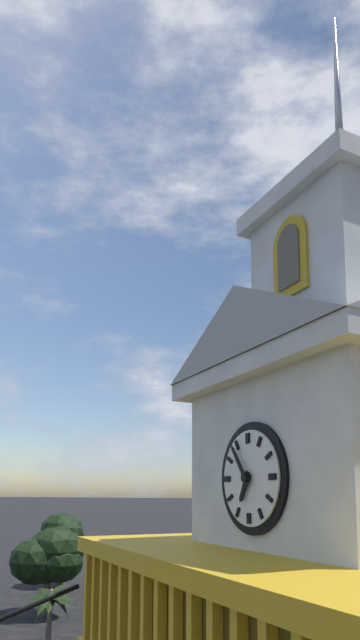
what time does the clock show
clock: 6:54
